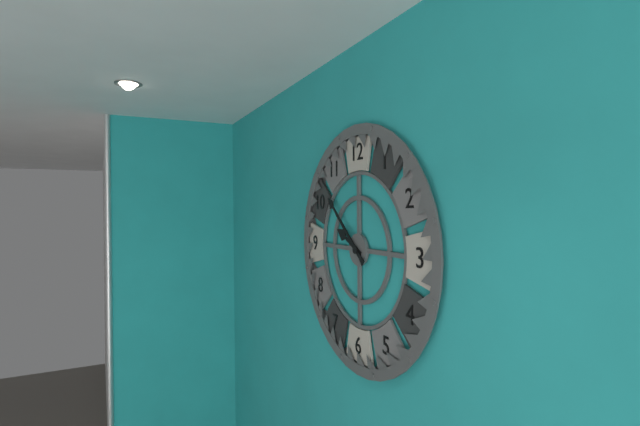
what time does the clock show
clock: 9:52
